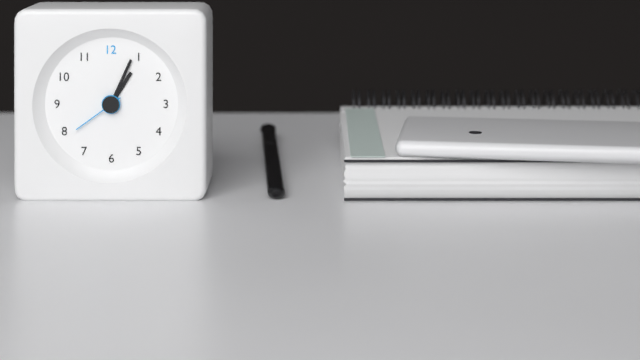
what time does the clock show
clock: 1:04:39
